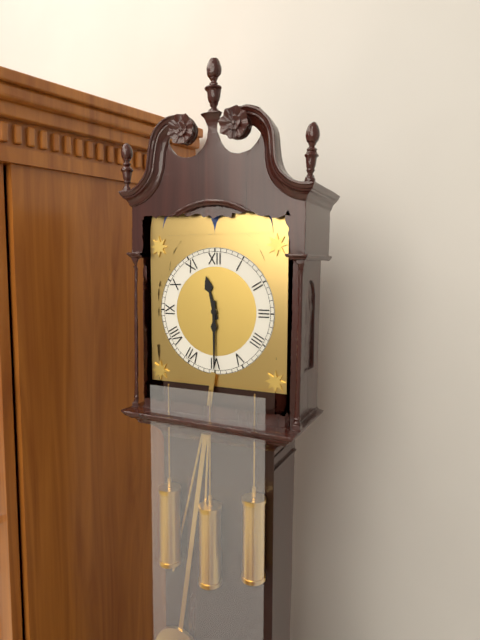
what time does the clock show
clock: 11:30
